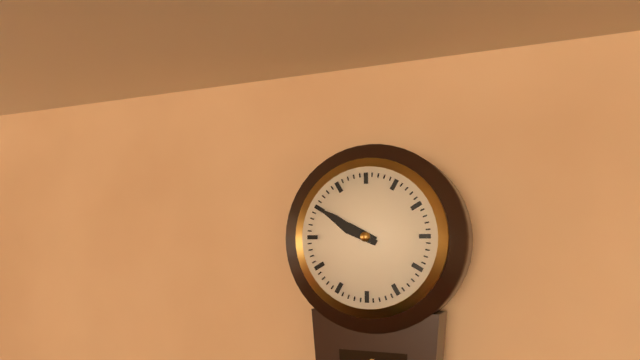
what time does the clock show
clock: 9:50
